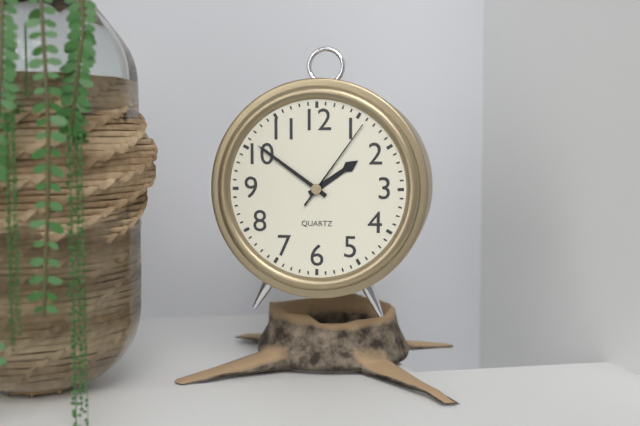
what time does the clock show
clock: 1:51:06
